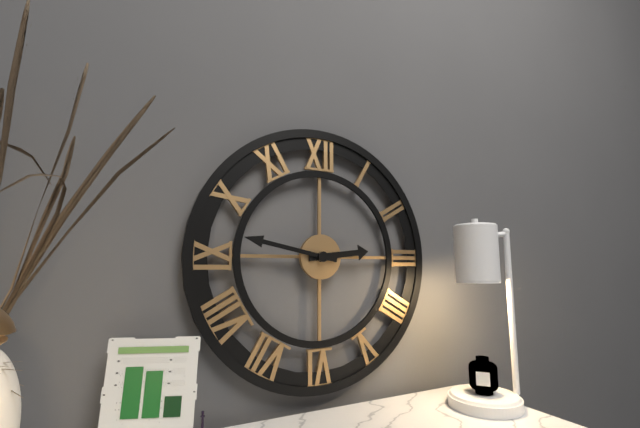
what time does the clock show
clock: 2:47
